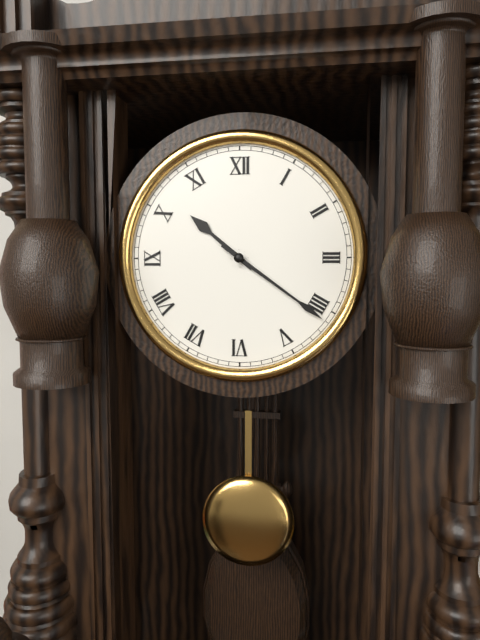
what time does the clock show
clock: 10:21
